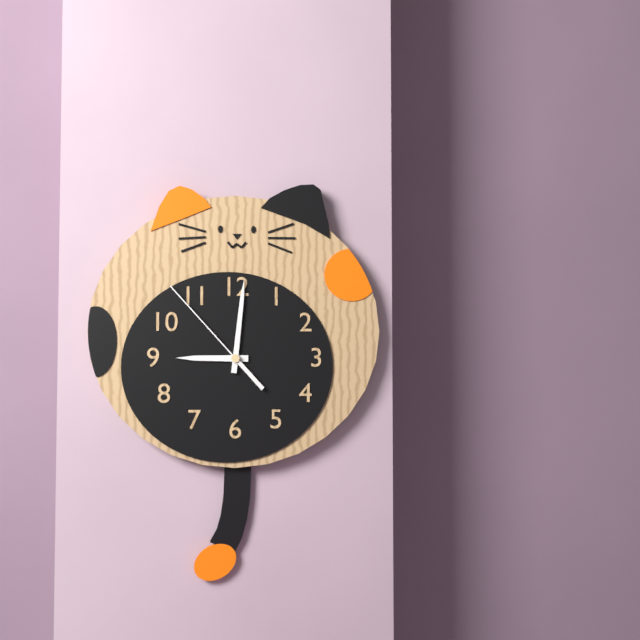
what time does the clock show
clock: 9:01:53
